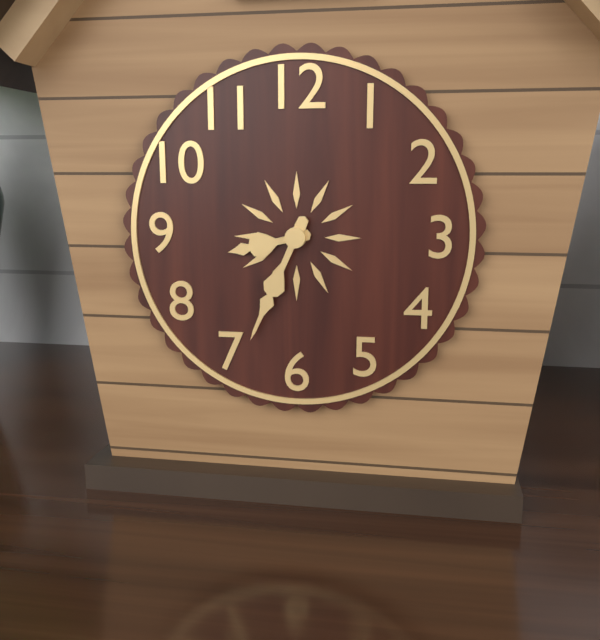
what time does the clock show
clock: 8:34
